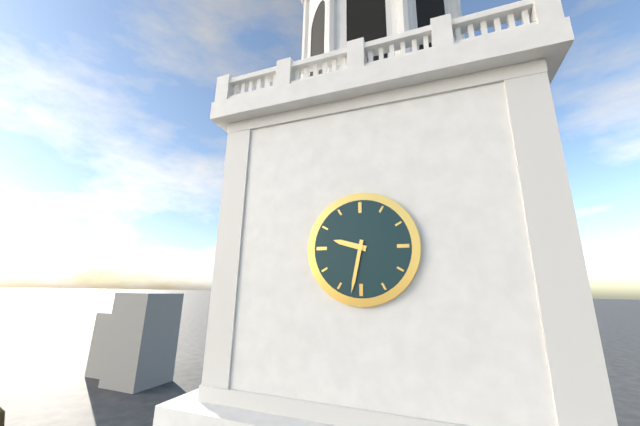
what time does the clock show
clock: 9:32
